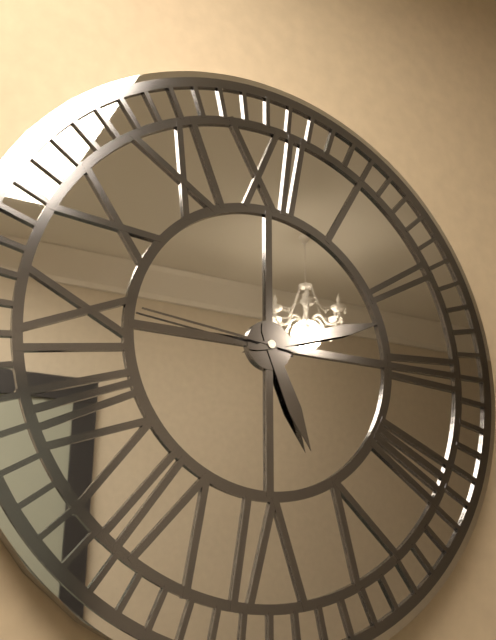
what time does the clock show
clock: 5:12:46
